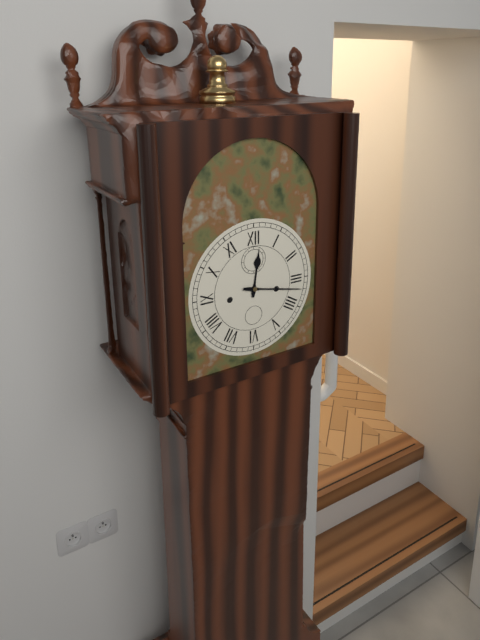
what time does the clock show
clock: 12:17
